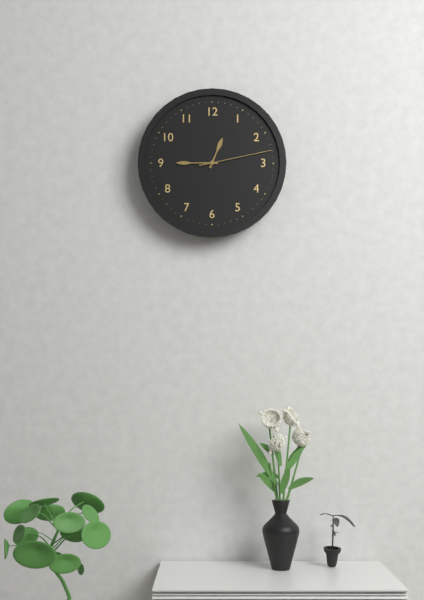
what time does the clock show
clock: 12:45:13
